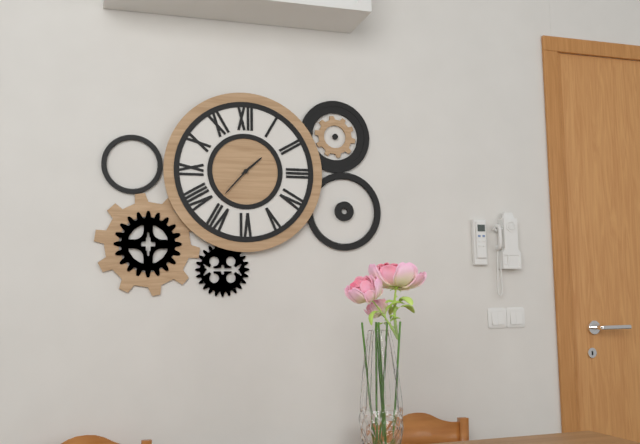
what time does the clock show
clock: 1:37
